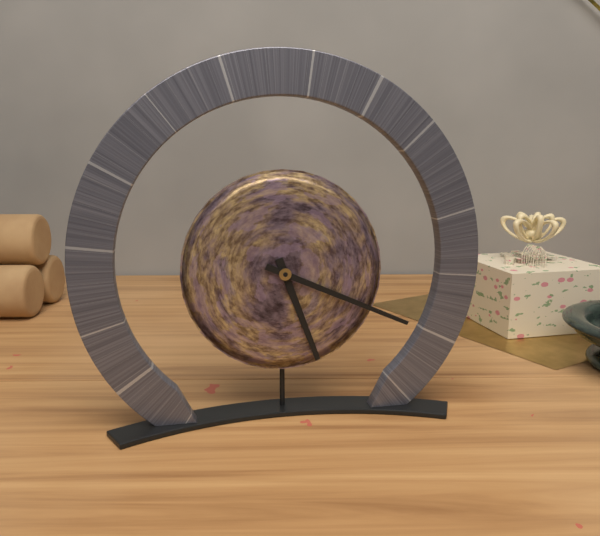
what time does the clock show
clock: 5:19
